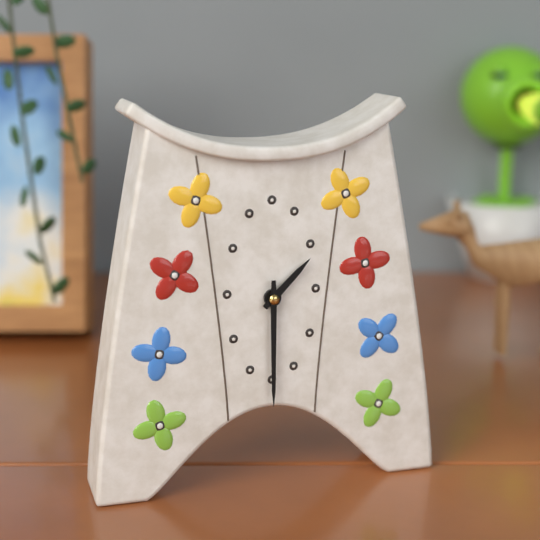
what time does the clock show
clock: 1:30
